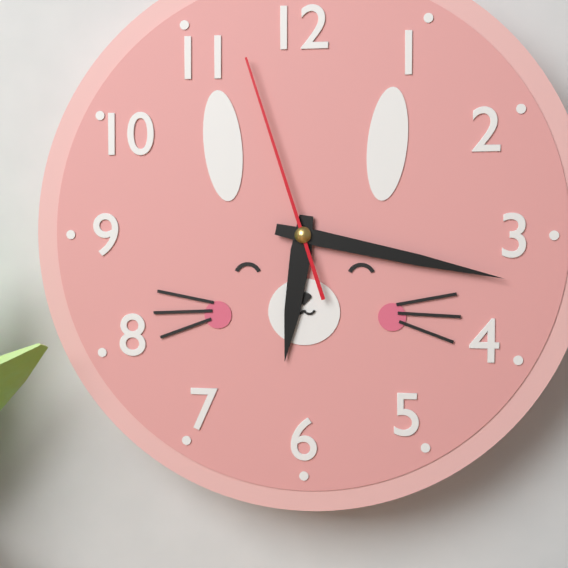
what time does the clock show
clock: 6:17:57
